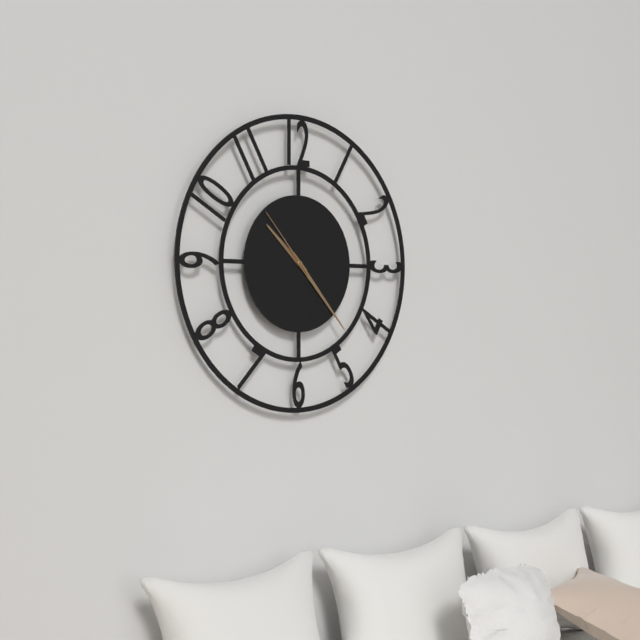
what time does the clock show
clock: 10:23:53
